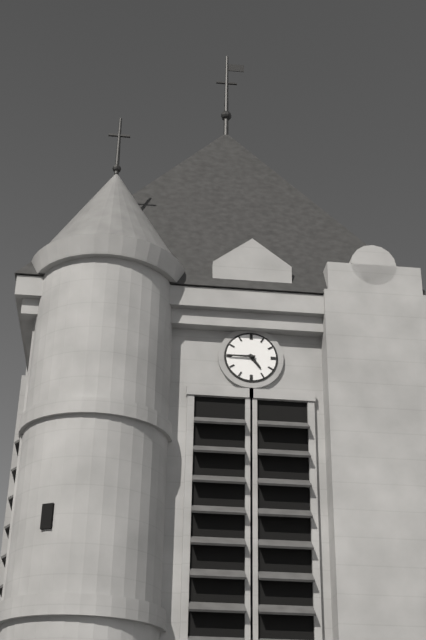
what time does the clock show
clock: 4:45
